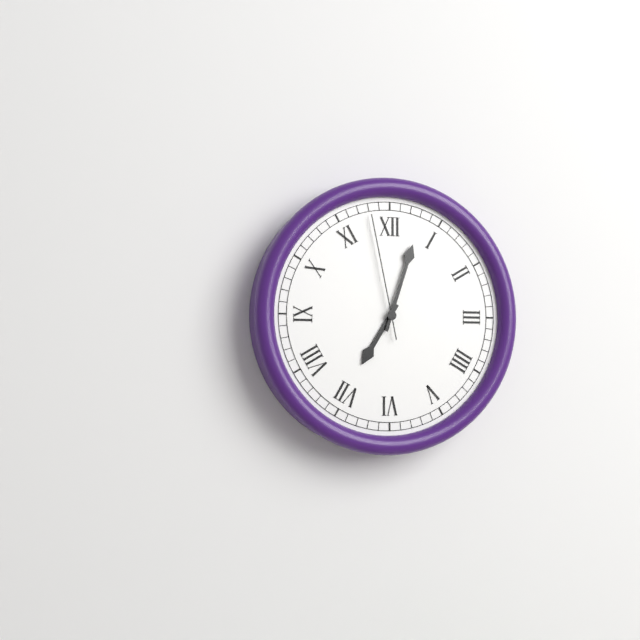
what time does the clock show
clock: 7:03:58
